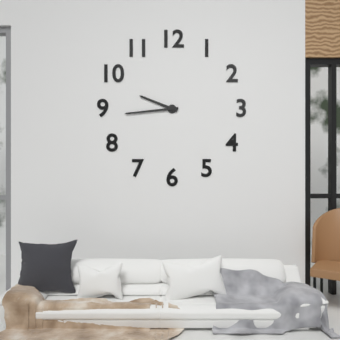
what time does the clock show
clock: 9:44
